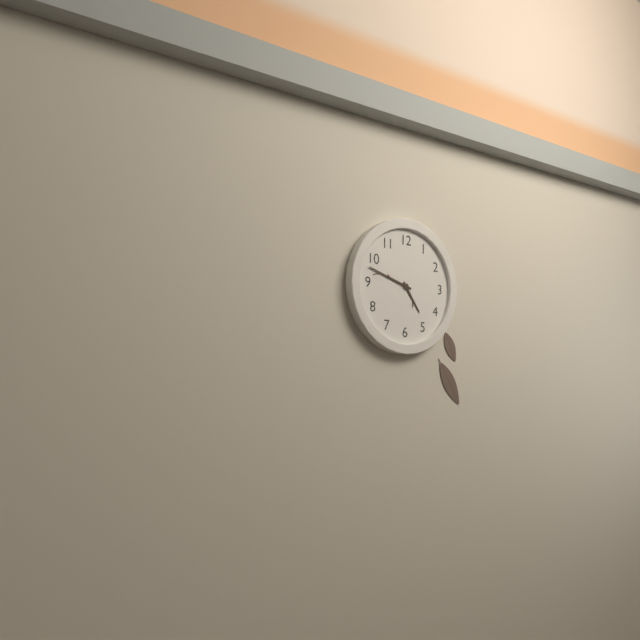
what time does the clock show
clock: 4:48
